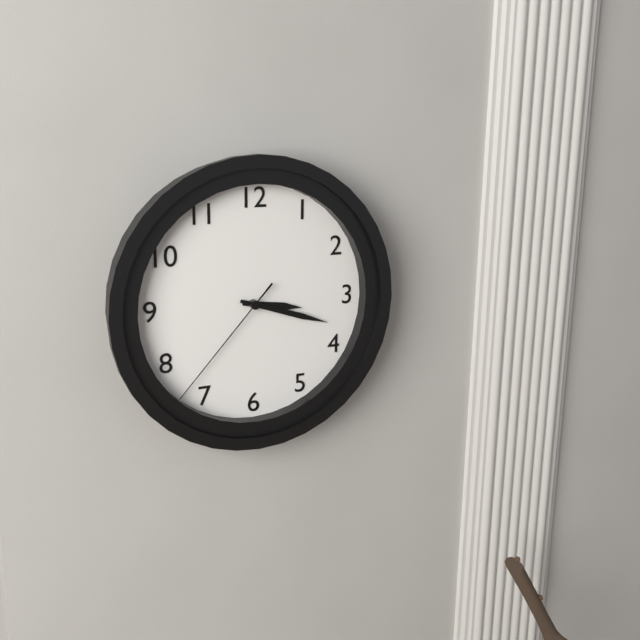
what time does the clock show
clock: 3:18:37
